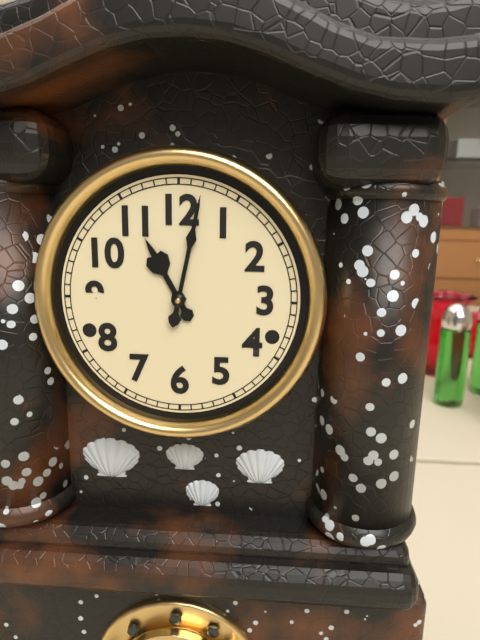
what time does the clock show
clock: 11:02
